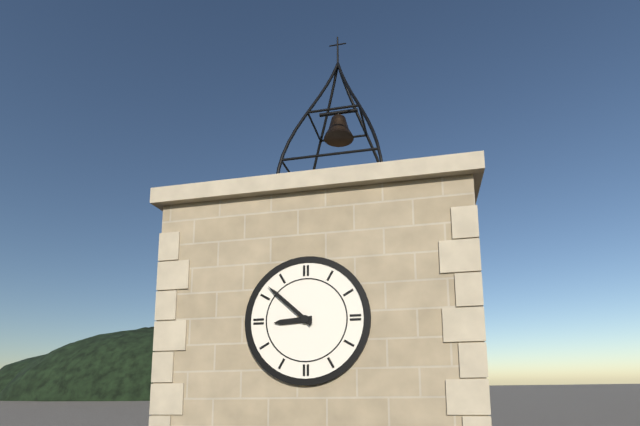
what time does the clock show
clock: 8:52
